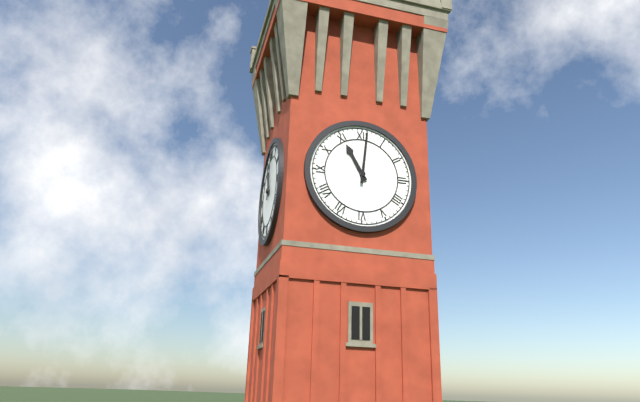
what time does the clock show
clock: 11:01
